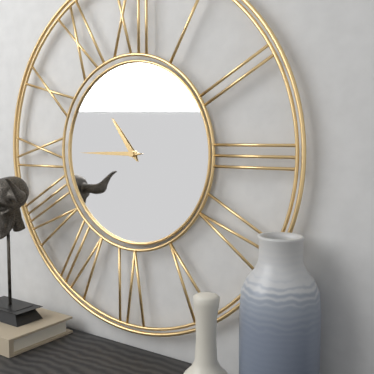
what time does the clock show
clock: 10:45
